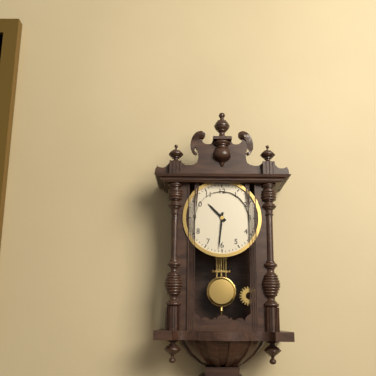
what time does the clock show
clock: 10:31
